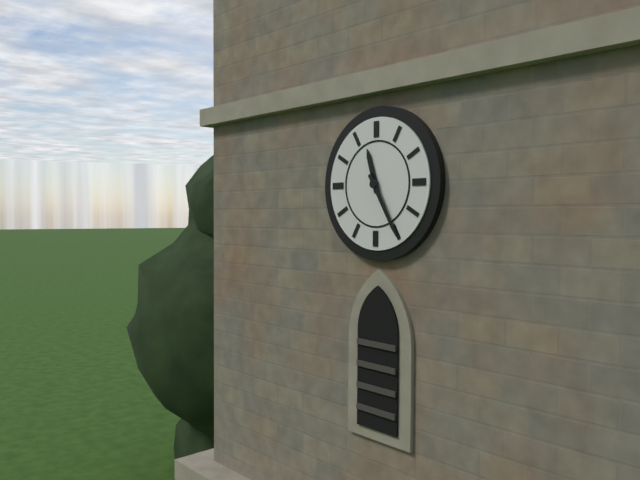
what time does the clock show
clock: 11:25
